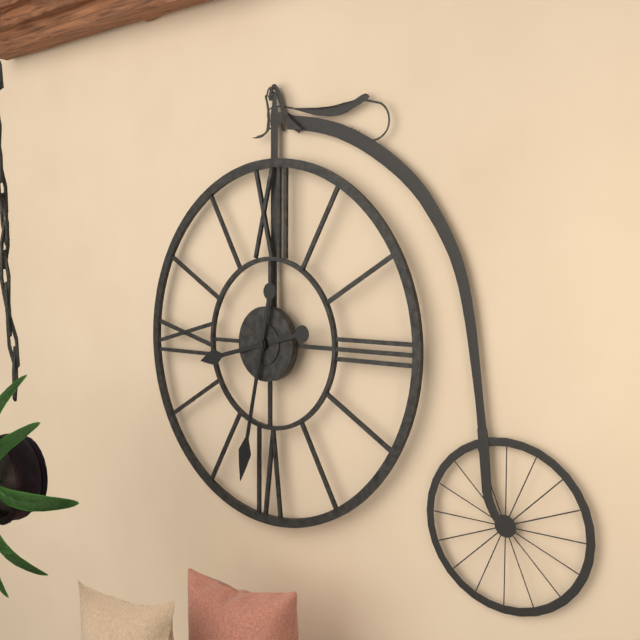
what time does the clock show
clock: 8:32
